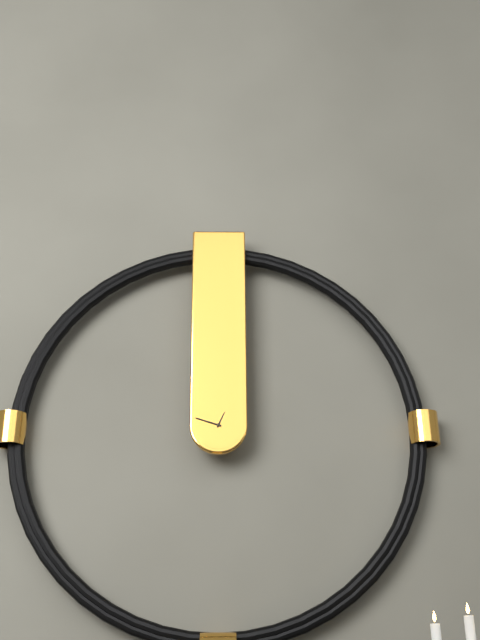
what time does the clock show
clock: 12:48
